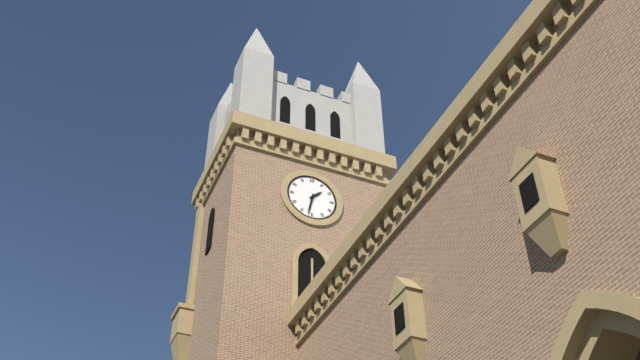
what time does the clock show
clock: 1:32
